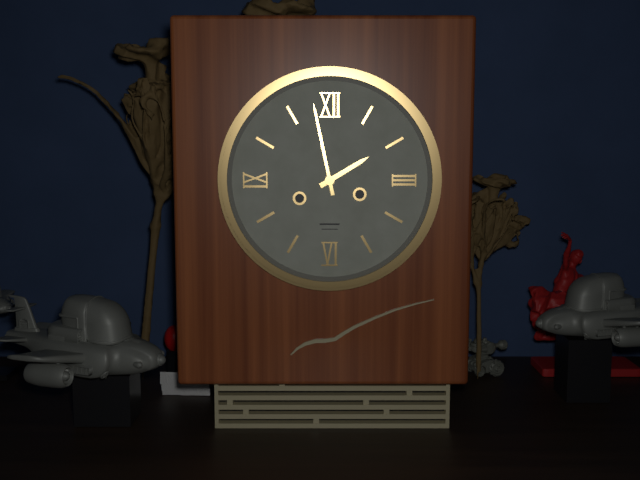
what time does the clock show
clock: 1:58
